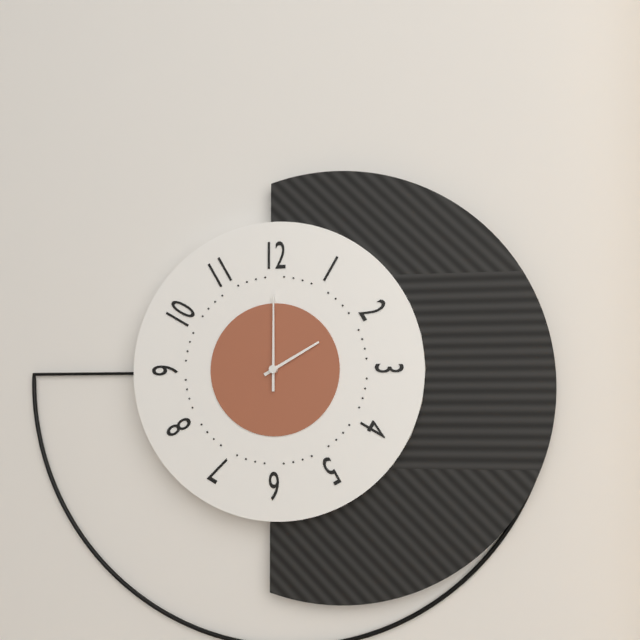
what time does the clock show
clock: 2:00
